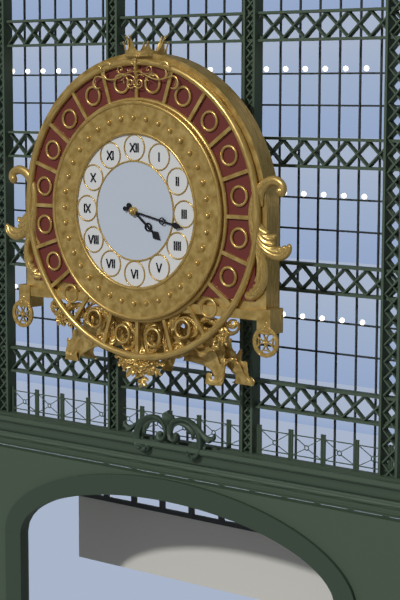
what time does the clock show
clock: 4:17
